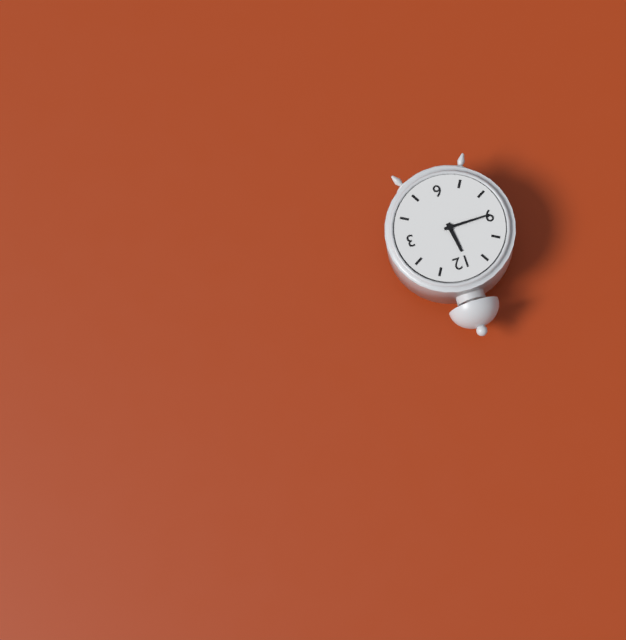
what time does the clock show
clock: 11:45
